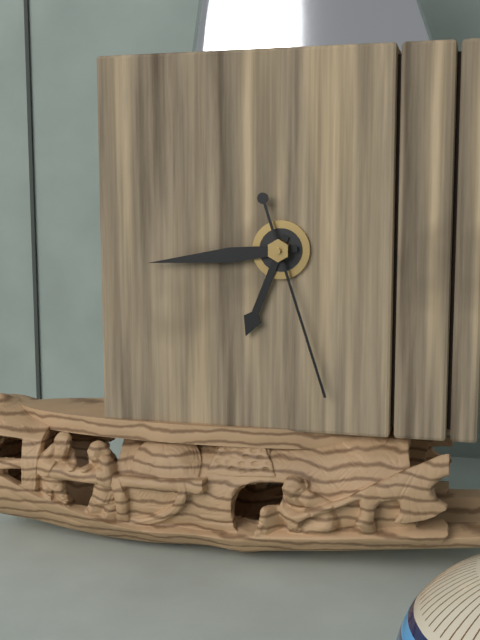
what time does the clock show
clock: 6:44:27
